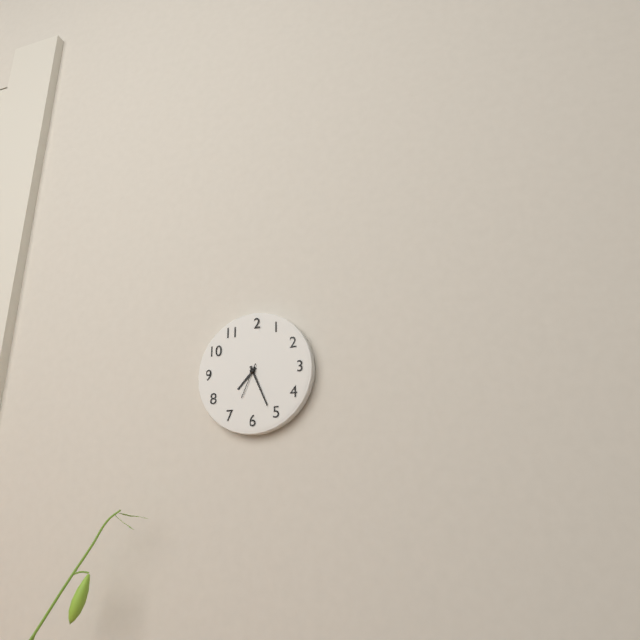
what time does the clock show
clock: 7:26
